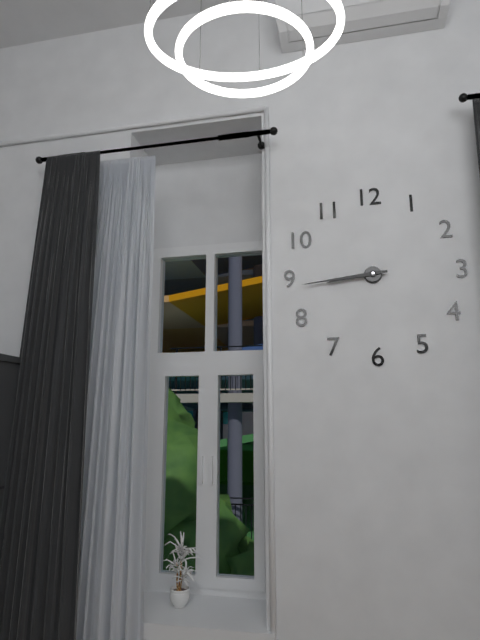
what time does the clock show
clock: 8:44
